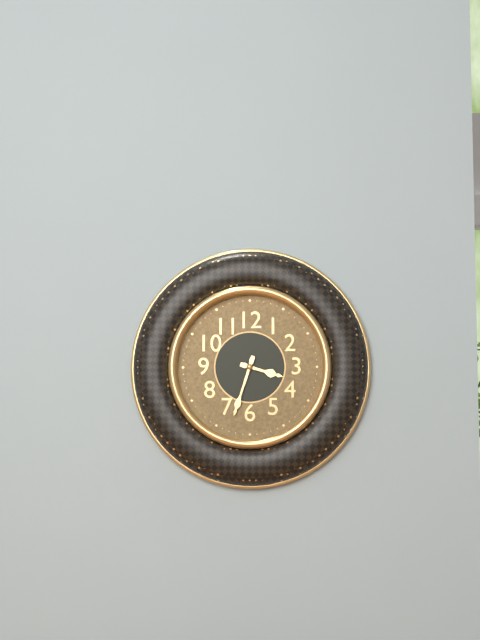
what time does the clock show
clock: 3:33
